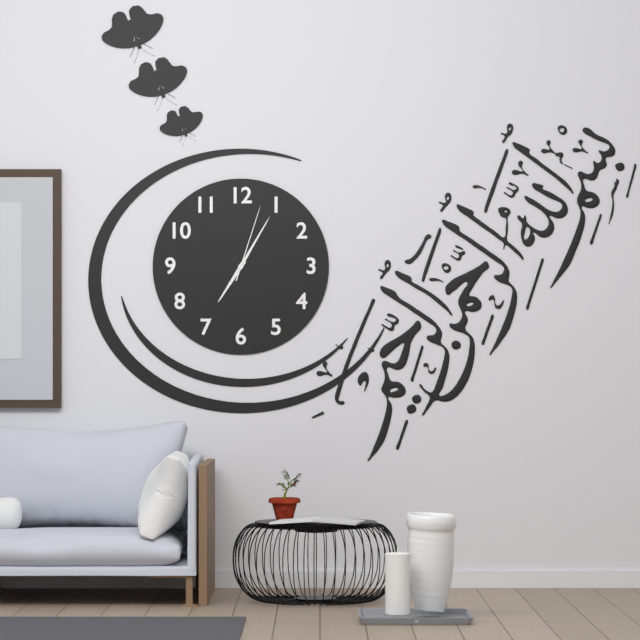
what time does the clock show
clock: 7:05:03
